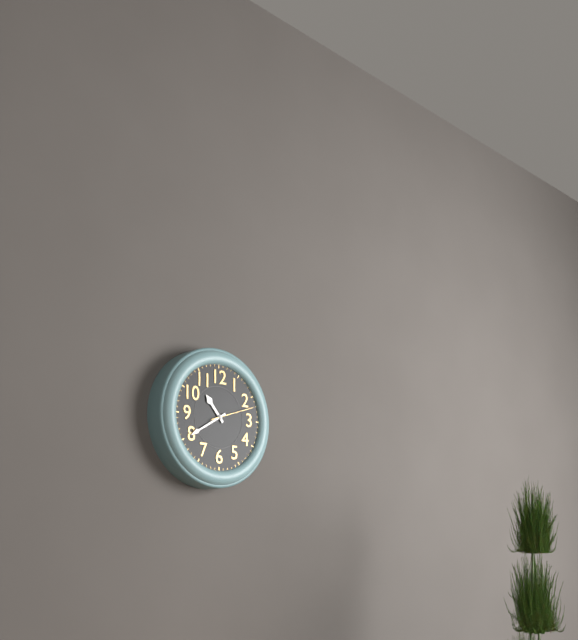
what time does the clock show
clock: 10:40
